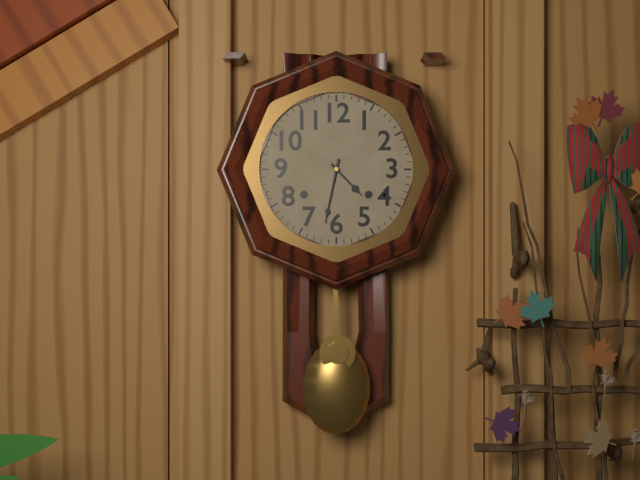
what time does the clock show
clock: 4:32
